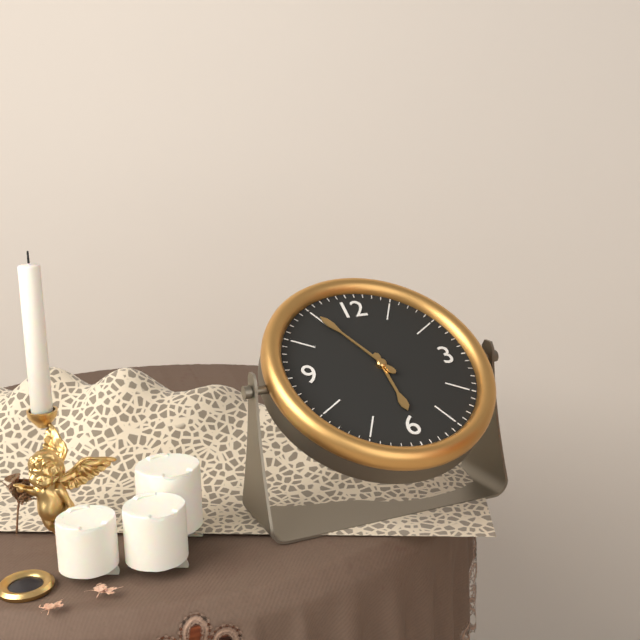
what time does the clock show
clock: 5:55
